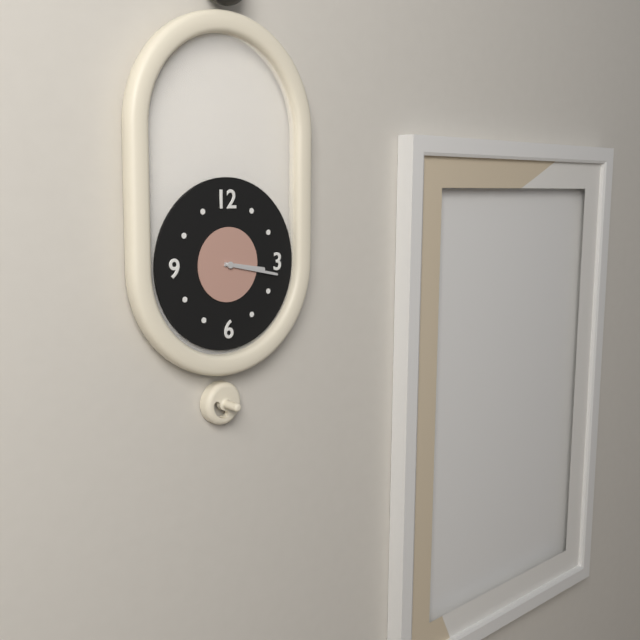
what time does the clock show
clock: 3:17
